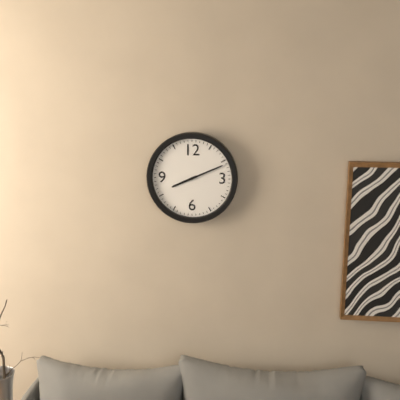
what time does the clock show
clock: 8:11
